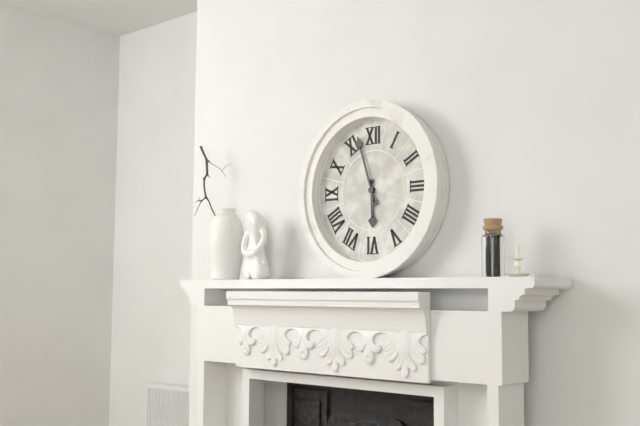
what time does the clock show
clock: 5:57
